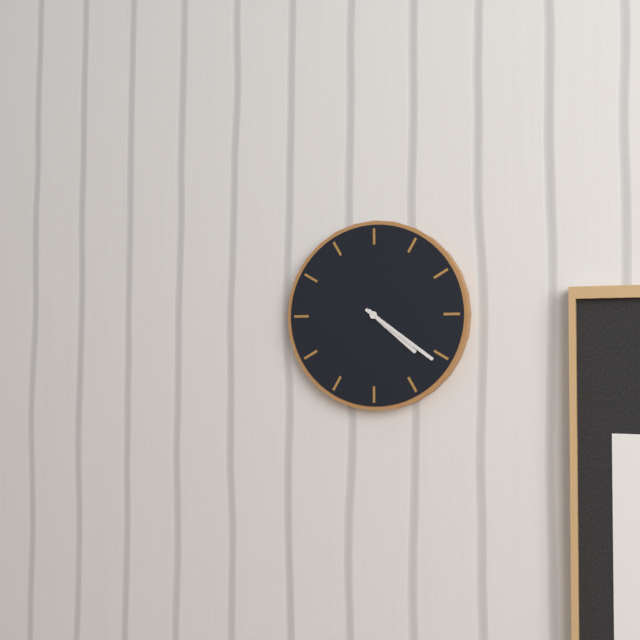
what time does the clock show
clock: 4:21
